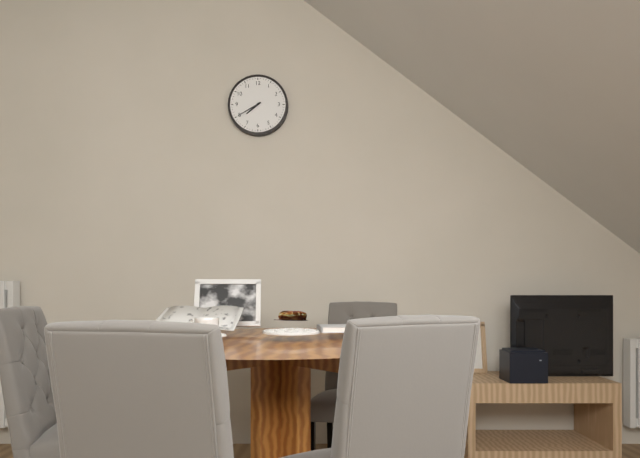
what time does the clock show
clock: 7:40
